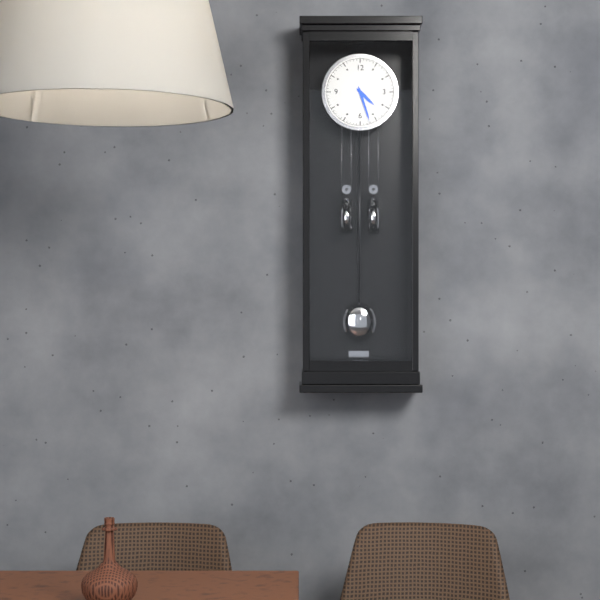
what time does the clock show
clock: 4:27
